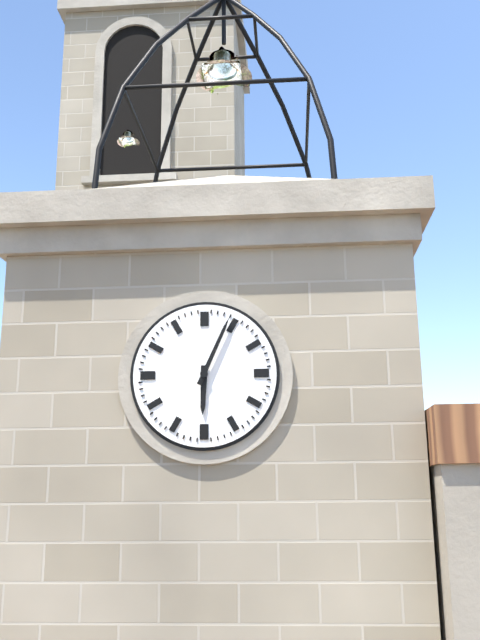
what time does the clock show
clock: 6:04
